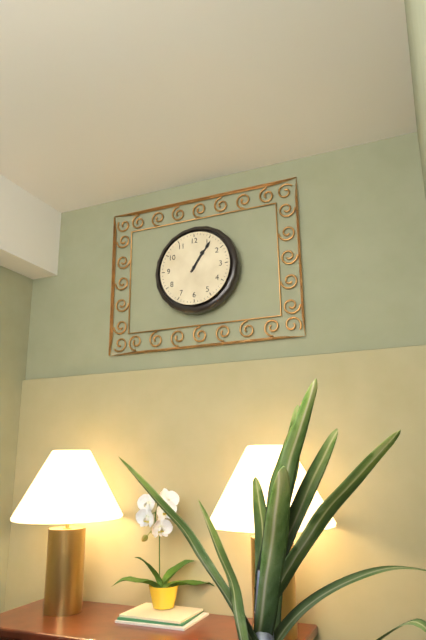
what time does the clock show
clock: 1:06
